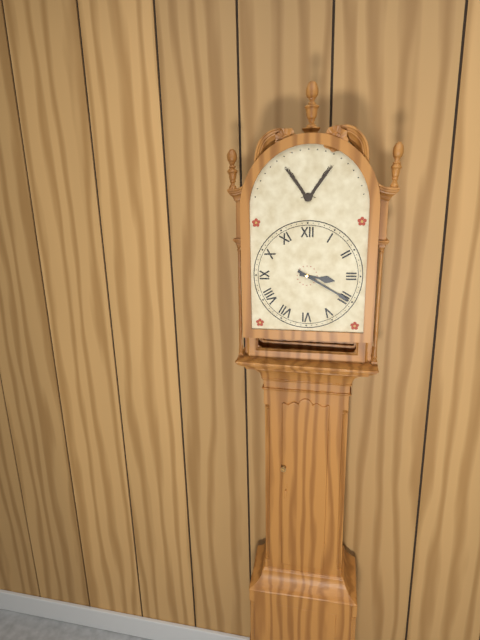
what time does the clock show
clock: 3:20
